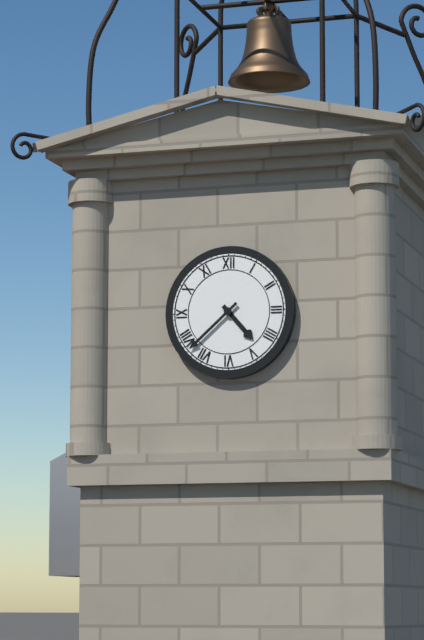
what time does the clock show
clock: 4:38
